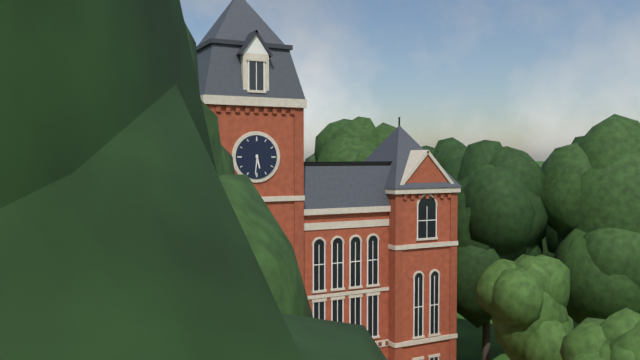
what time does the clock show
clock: 5:31
